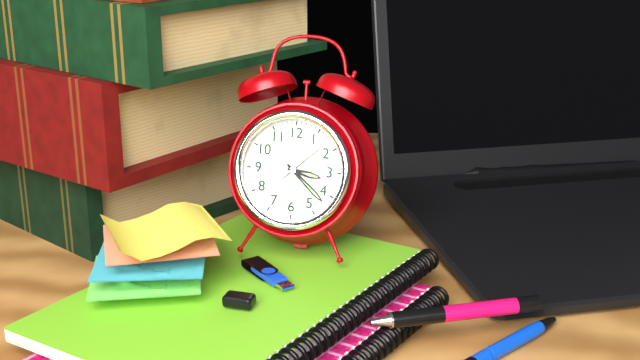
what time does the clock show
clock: 3:22:08
